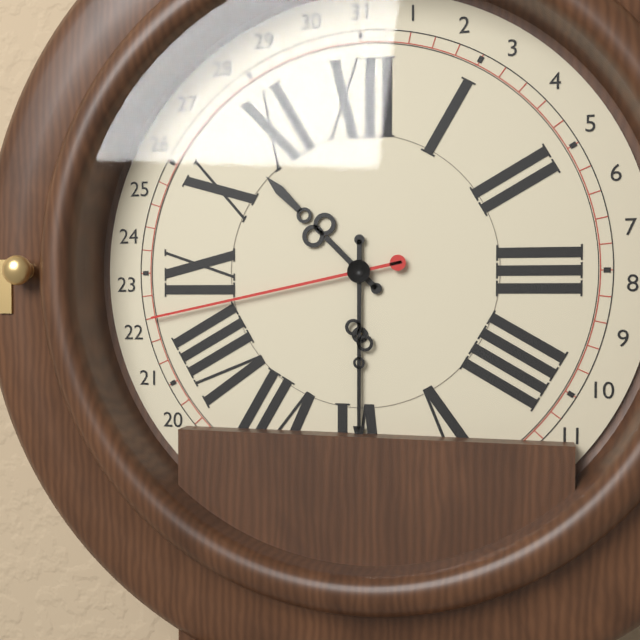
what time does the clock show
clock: 10:30:43
